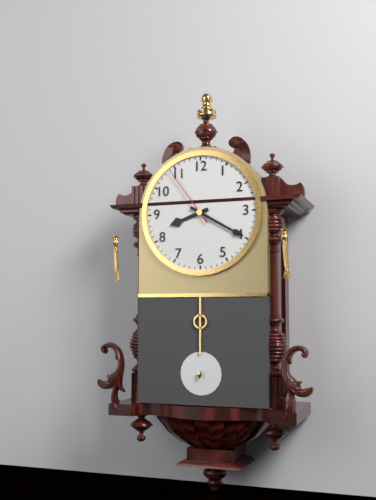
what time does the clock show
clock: 8:20:54
